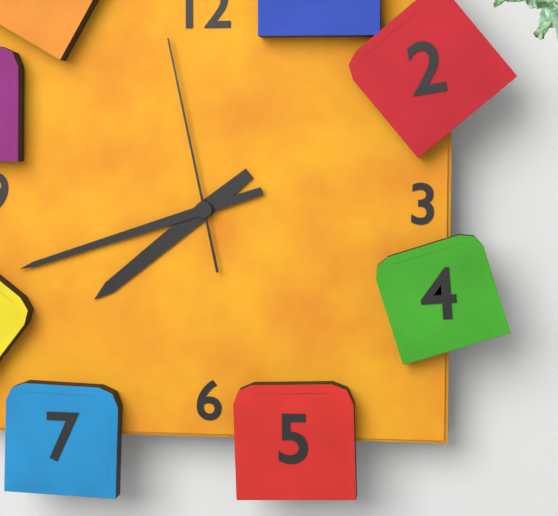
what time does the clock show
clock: 7:42:58
